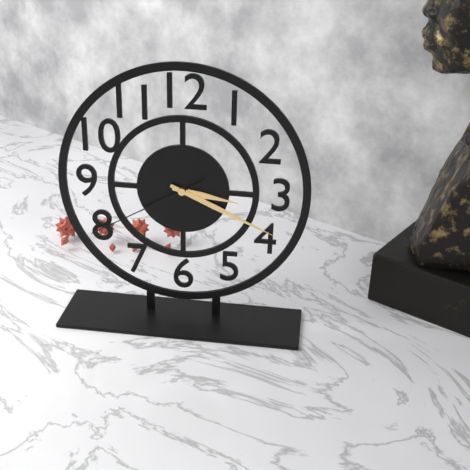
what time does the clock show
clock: 3:19:40
